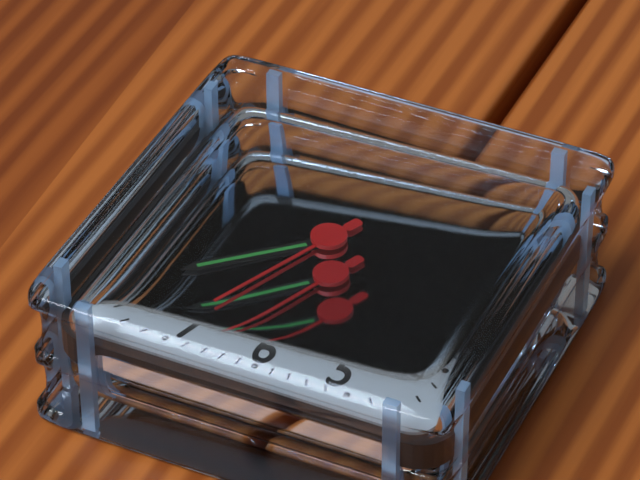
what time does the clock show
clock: 5:38:34
